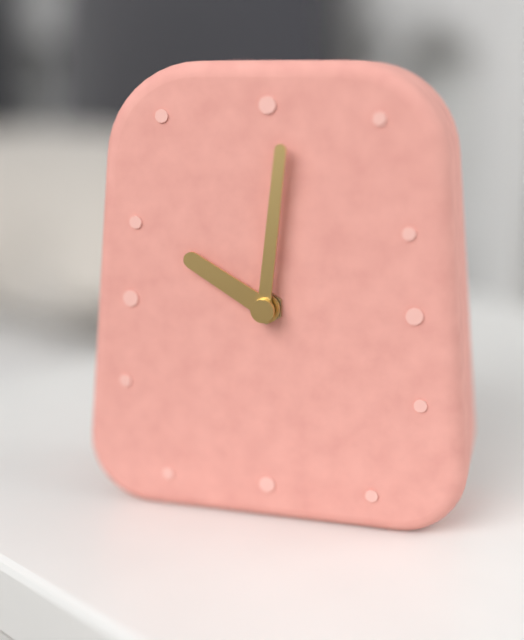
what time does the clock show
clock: 10:01
